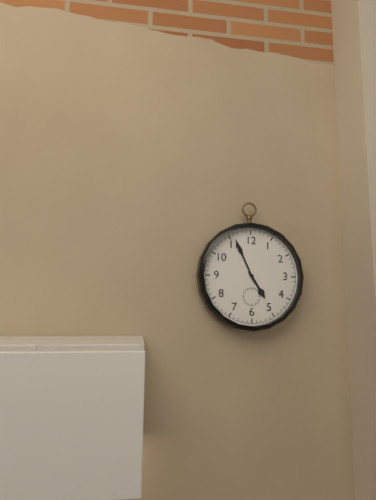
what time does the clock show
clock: 4:56
